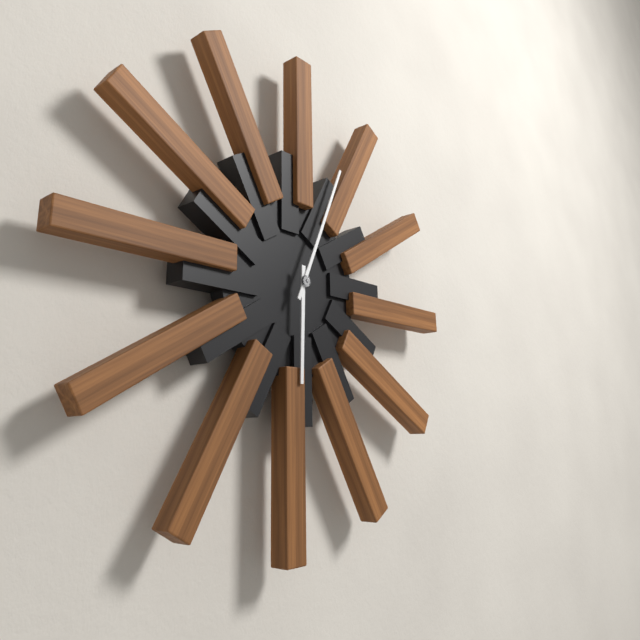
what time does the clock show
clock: 6:04
